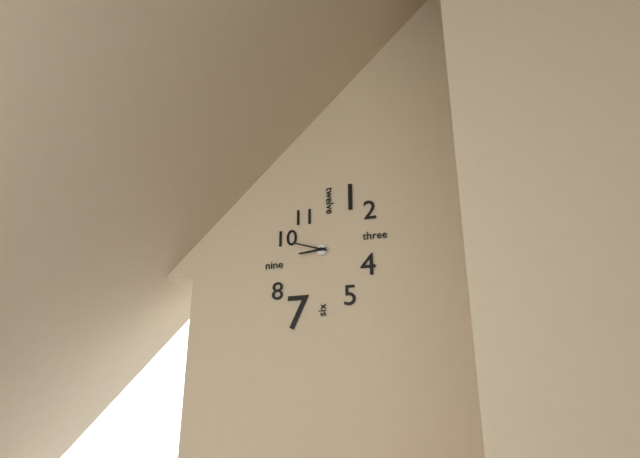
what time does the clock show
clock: 8:48
